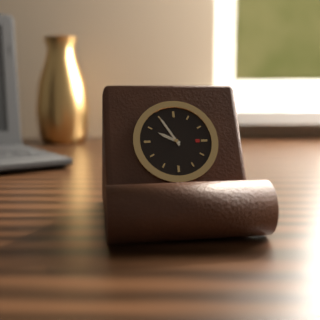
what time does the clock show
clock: 9:55
